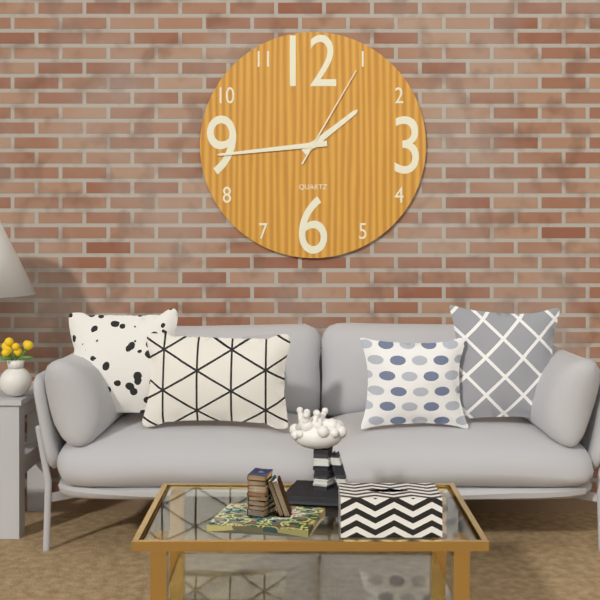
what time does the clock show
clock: 1:44:05
